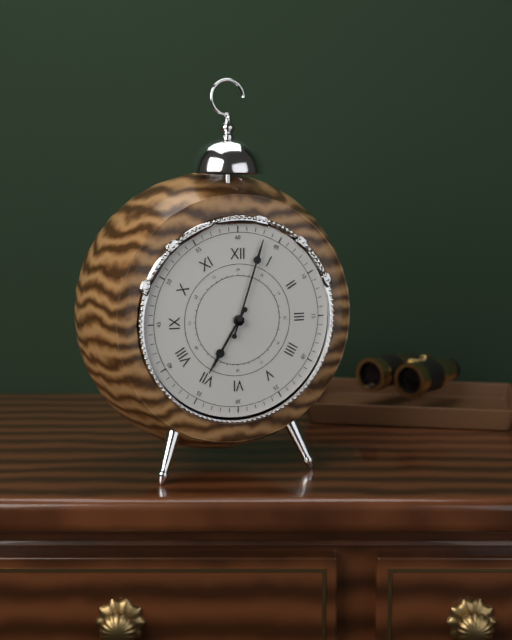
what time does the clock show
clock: 7:03
